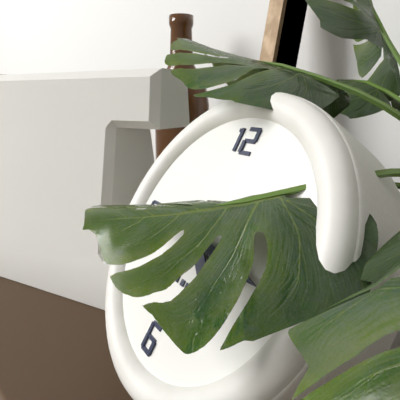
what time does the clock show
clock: 4:16
